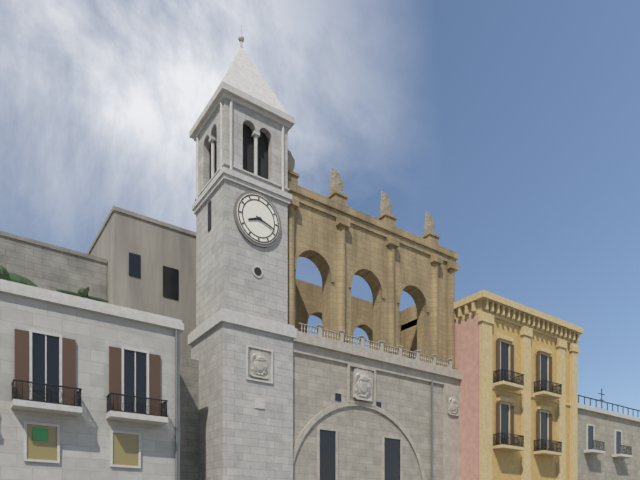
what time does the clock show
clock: 8:18
